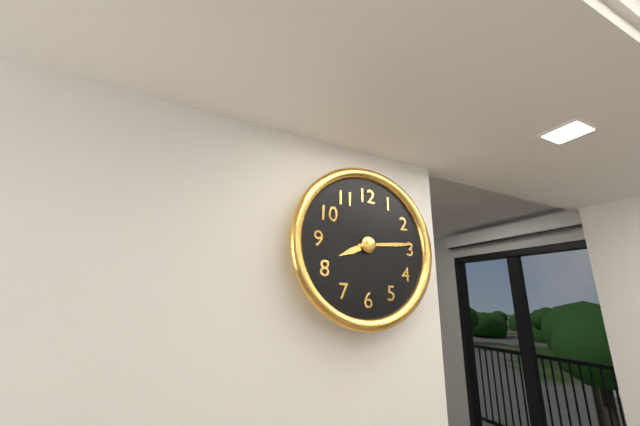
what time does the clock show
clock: 8:14
